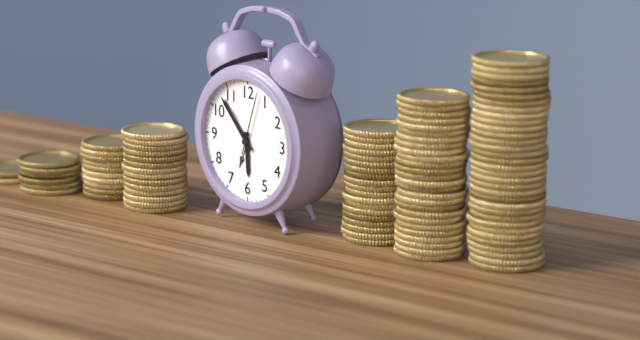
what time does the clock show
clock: 5:53:03
